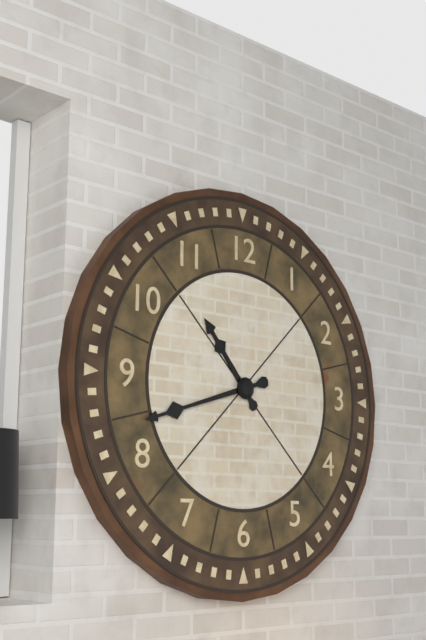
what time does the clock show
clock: 10:42
